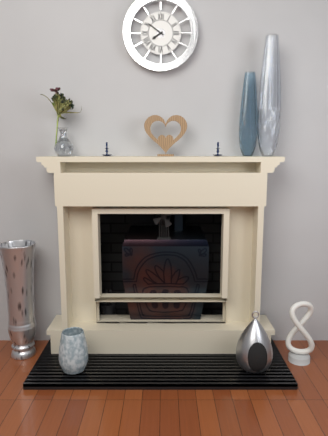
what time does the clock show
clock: 7:51
